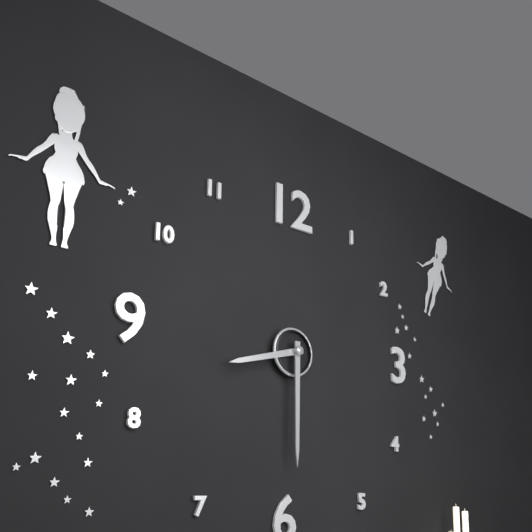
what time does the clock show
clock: 8:30
